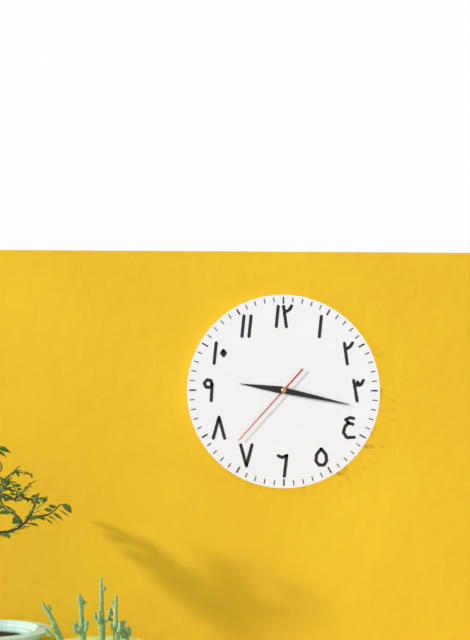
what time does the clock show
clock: 9:17:37
